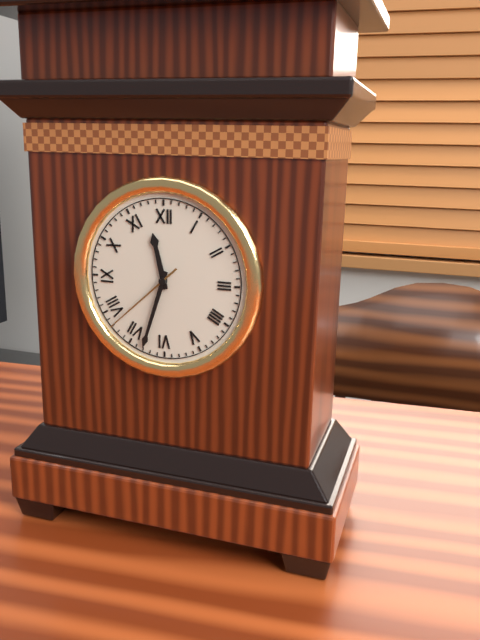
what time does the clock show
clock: 11:33:38
